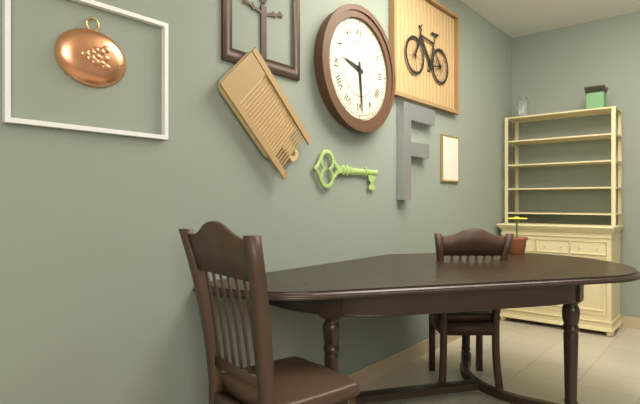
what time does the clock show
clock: 9:29
